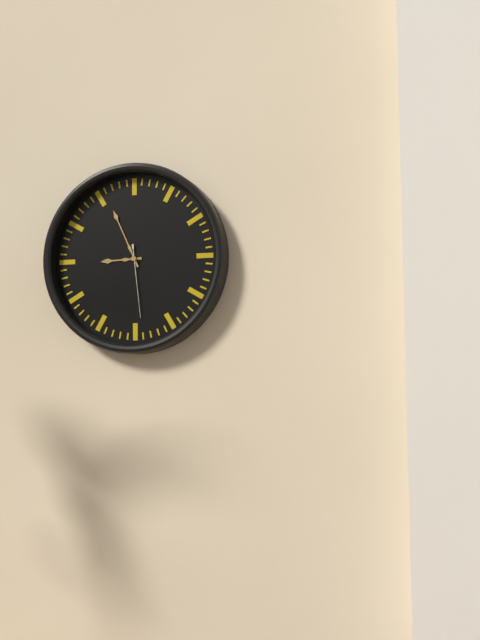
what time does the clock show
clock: 8:56:29
